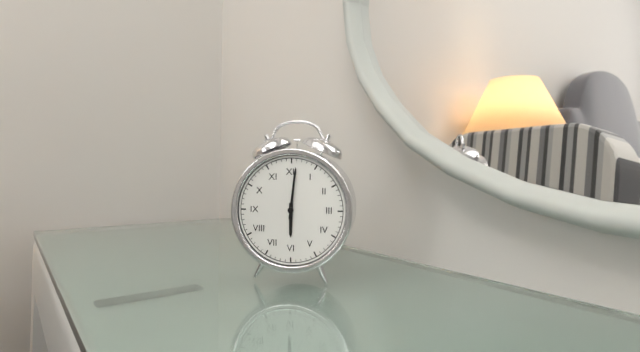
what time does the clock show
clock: 6:01
